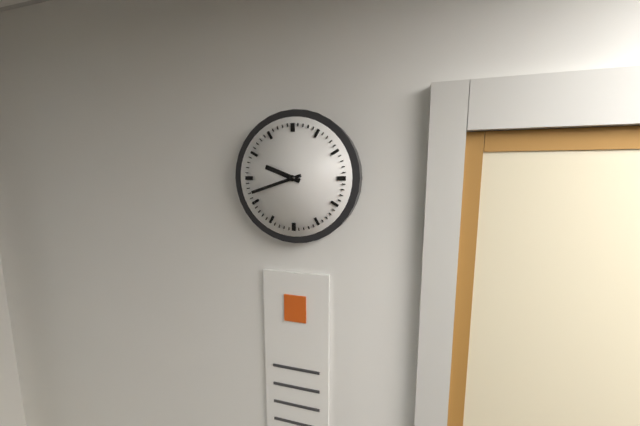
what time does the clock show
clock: 9:42
